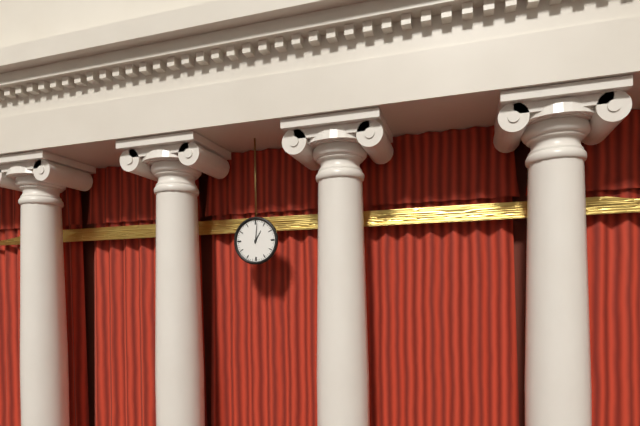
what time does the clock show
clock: 1:01
